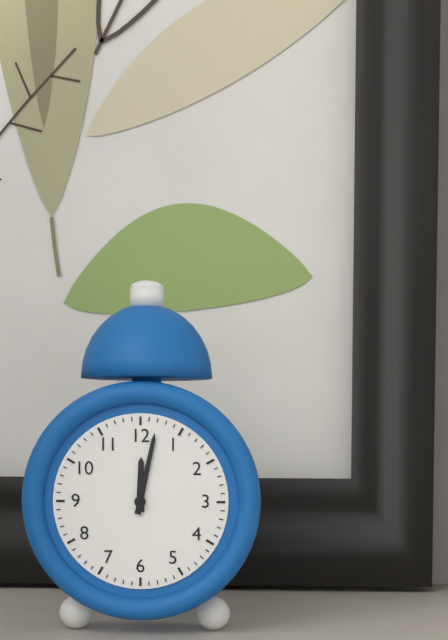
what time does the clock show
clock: 12:02
